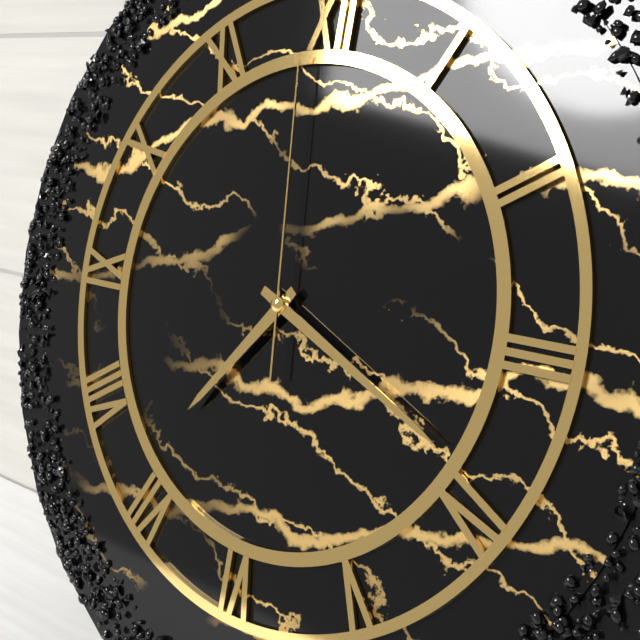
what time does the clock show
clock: 7:19:59
